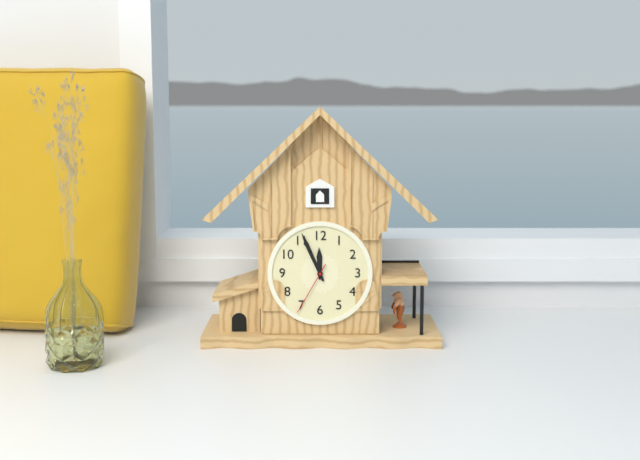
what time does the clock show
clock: 11:56:35
